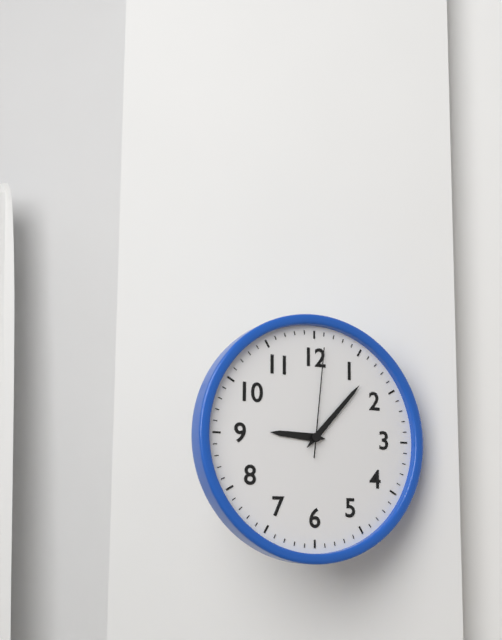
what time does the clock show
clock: 9:07:01
